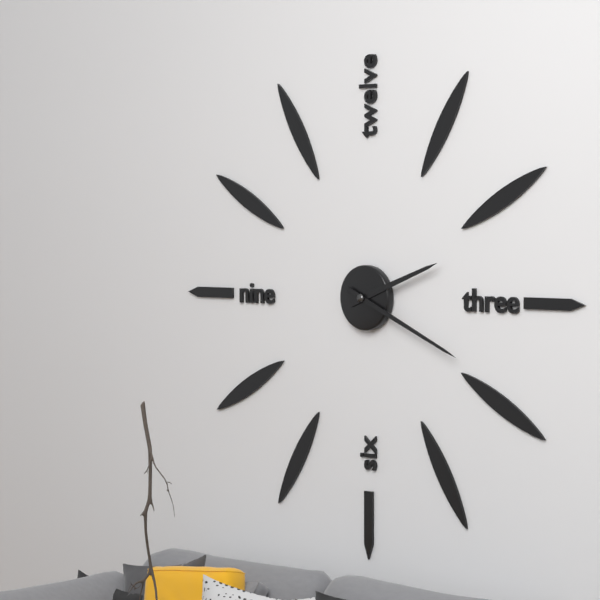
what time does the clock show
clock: 2:19
